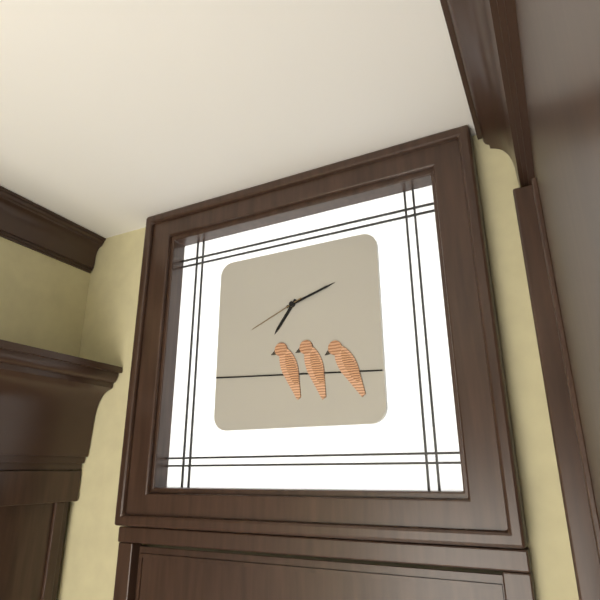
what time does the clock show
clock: 7:12:41
